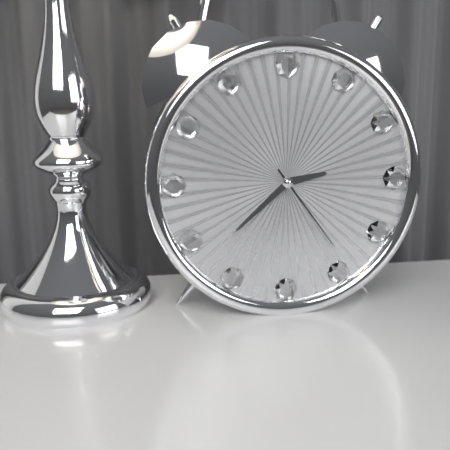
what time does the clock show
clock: 2:38:24
